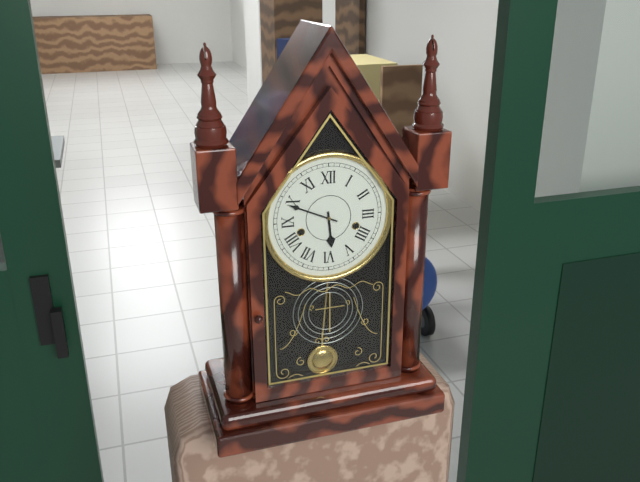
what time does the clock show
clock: 5:49
